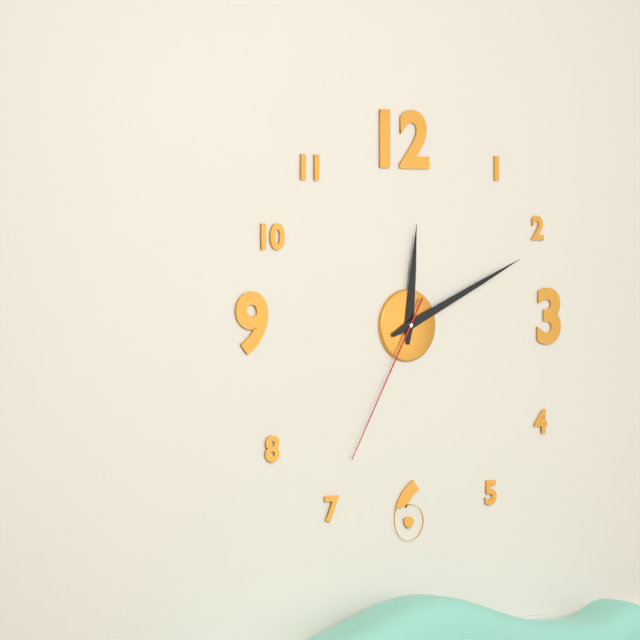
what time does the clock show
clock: 12:11:35
